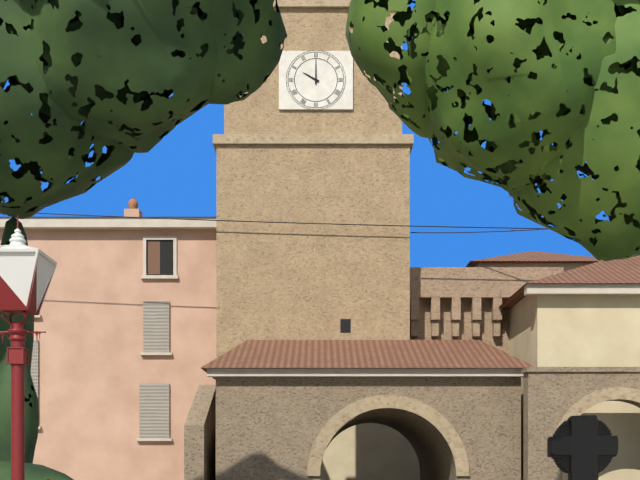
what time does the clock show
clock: 10:00
